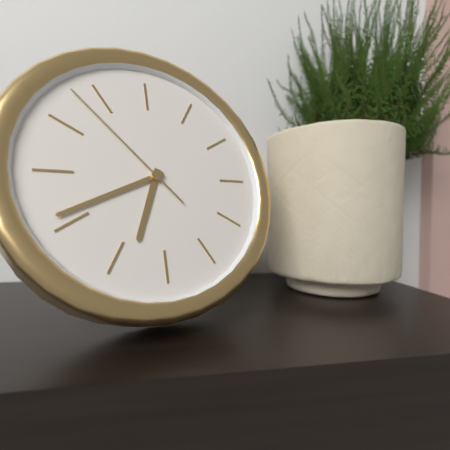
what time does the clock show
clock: 6:41:53
